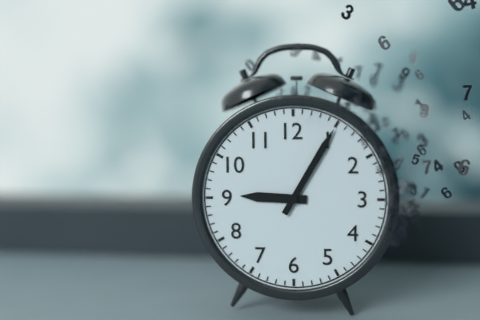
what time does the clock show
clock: 9:05
